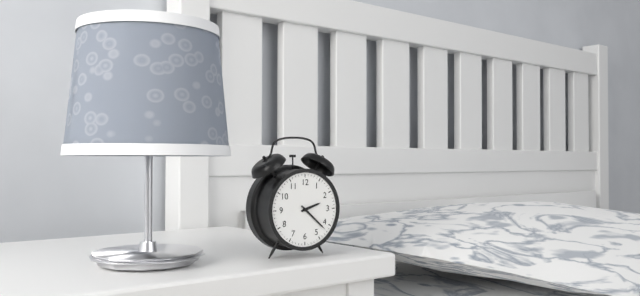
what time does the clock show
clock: 2:22
